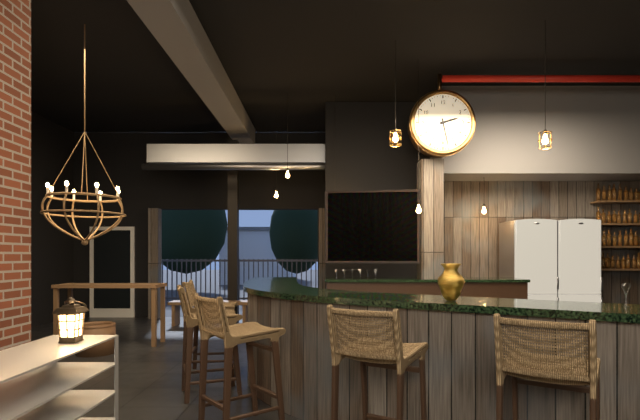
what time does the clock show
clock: 2:28
